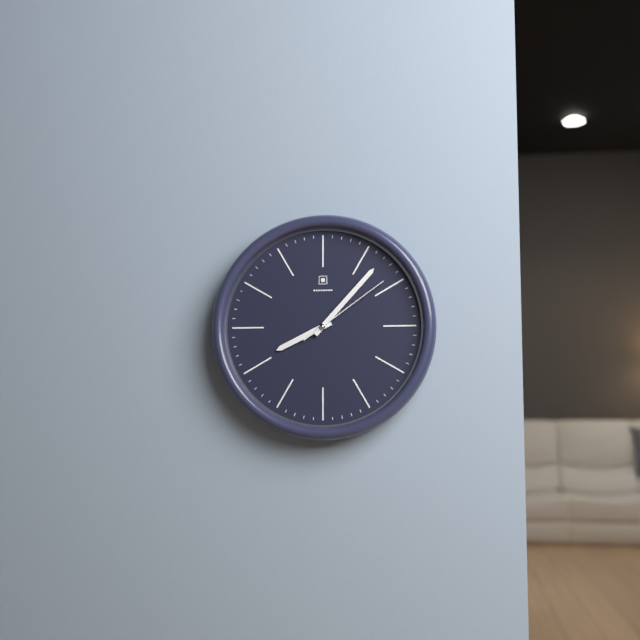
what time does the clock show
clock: 8:07:09
